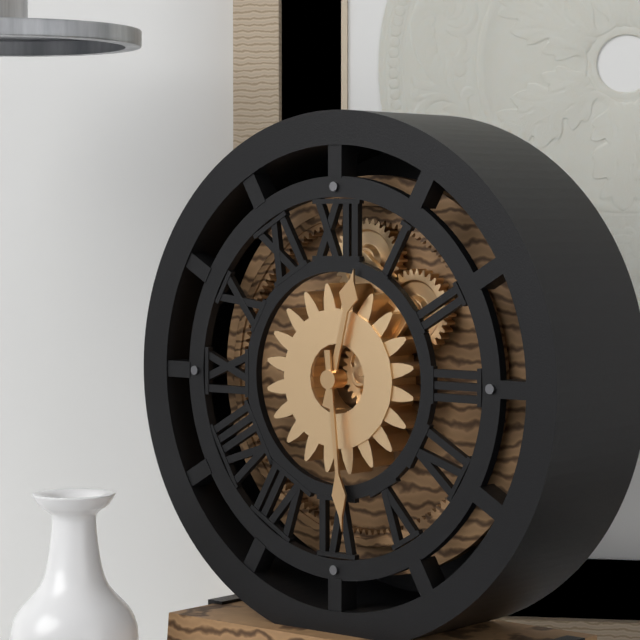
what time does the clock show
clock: 12:29
